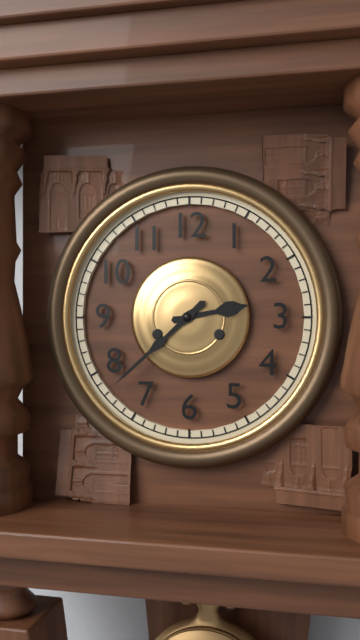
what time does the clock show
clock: 2:38
